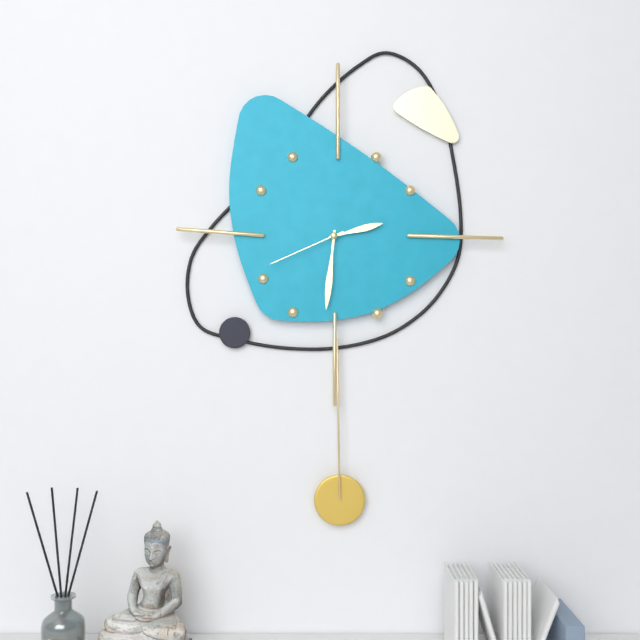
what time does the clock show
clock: 2:31:41
